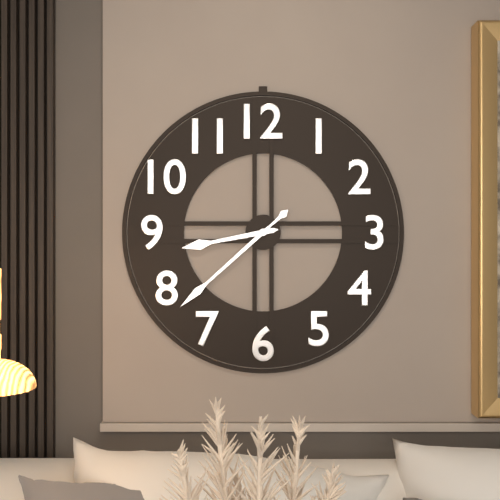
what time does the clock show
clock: 8:38
